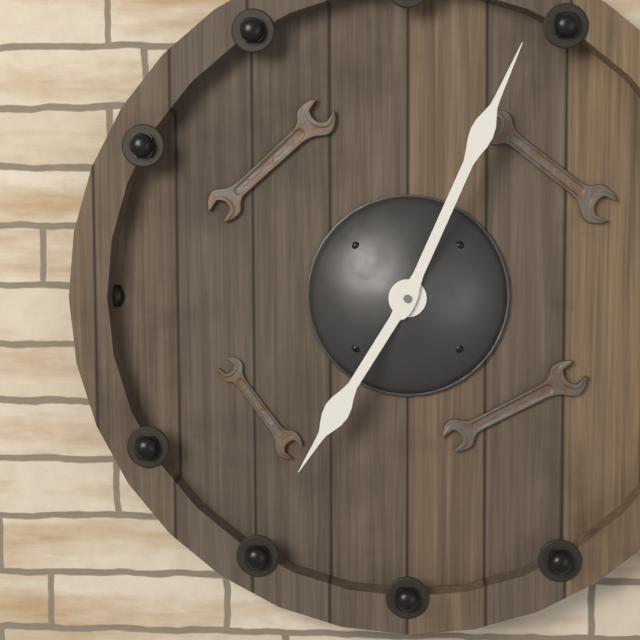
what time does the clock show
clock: 7:04
